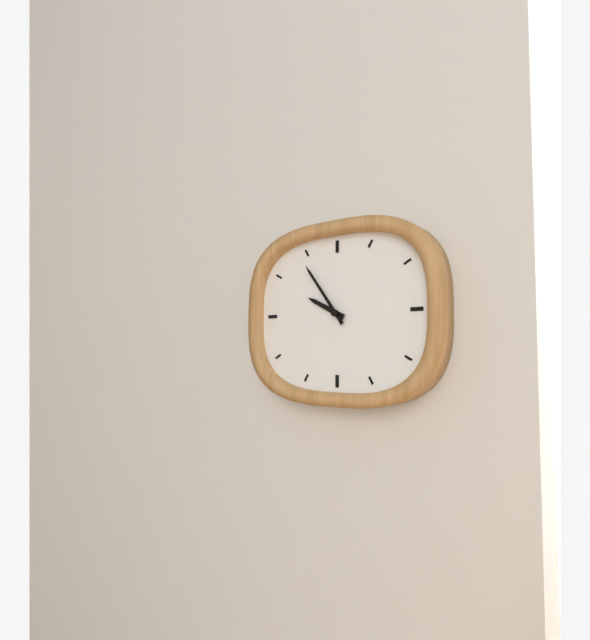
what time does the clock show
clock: 9:54
